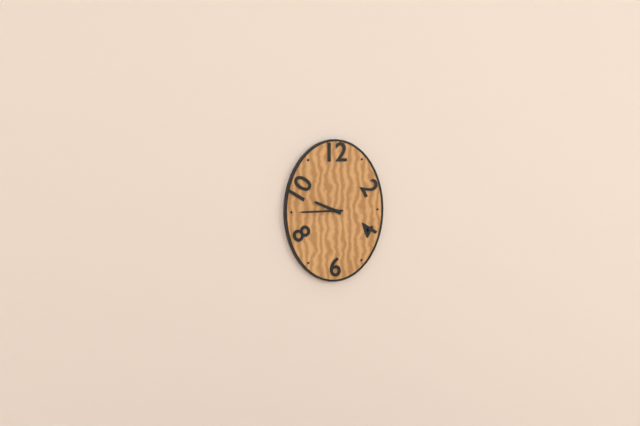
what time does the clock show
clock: 9:45
